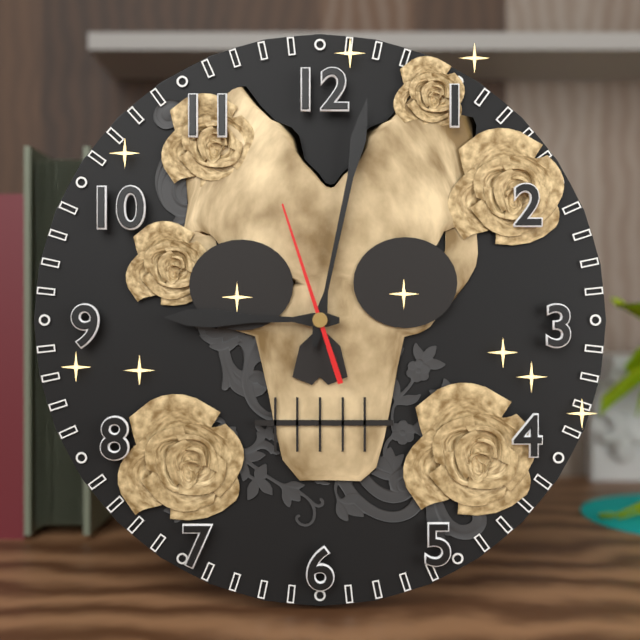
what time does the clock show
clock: 9:02:57
